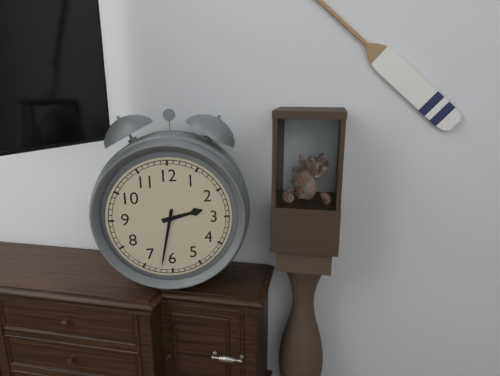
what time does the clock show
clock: 2:32
